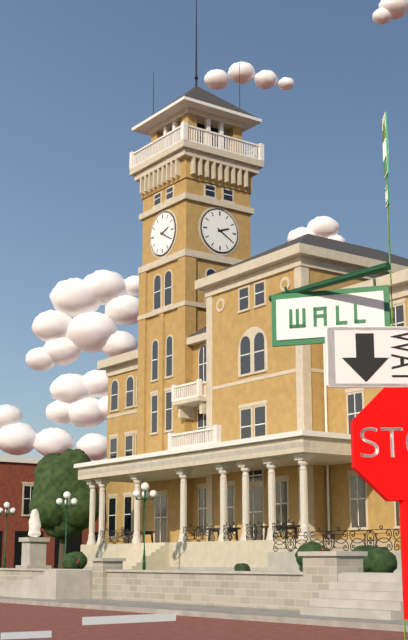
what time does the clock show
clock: 2:20
